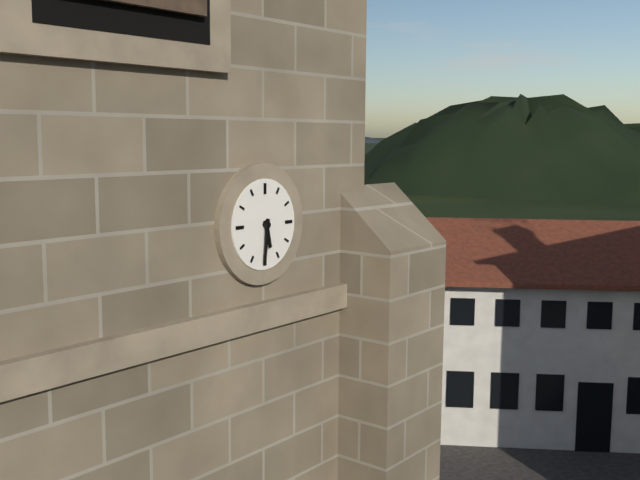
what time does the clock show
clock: 5:31
